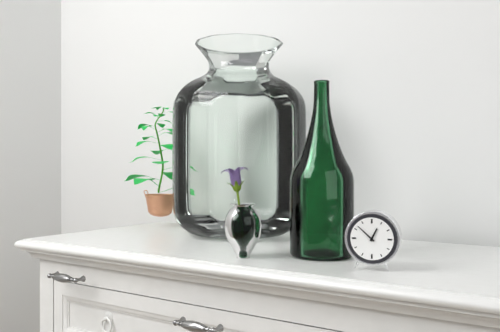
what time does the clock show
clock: 12:52
